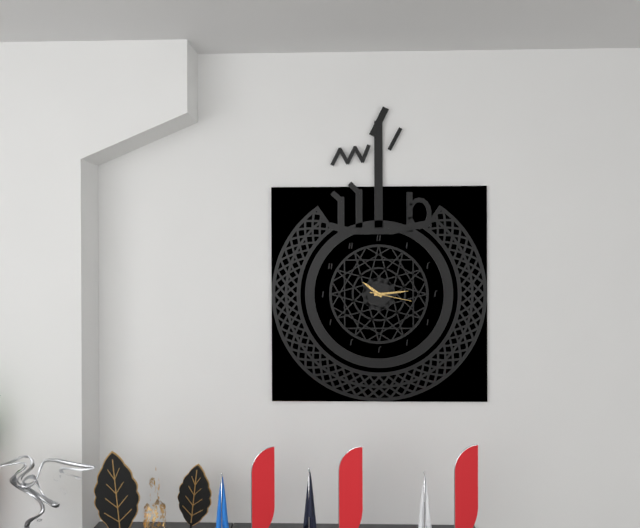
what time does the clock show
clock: 10:14
